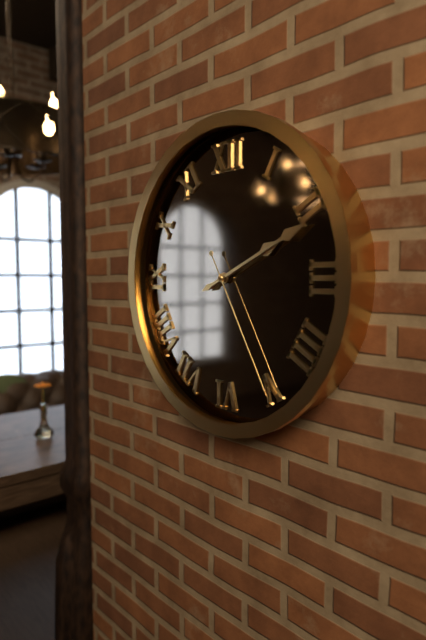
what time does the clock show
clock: 2:11:25
